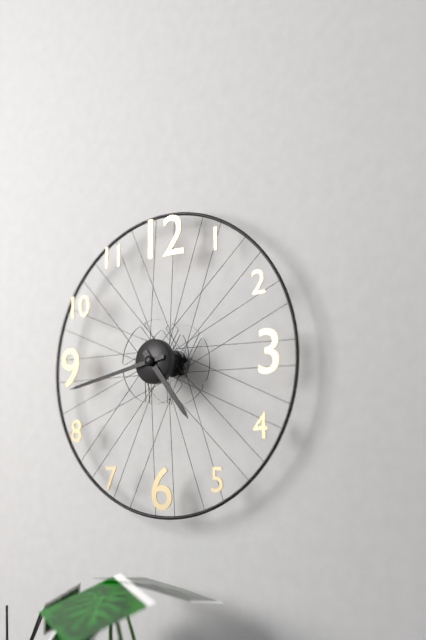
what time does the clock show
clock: 4:43
